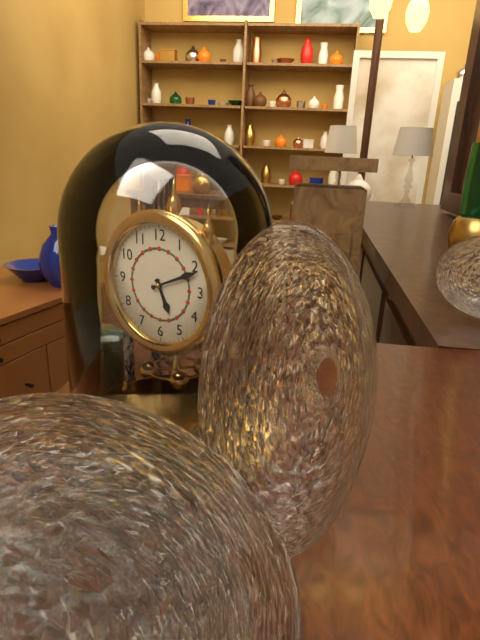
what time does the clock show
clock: 5:11
